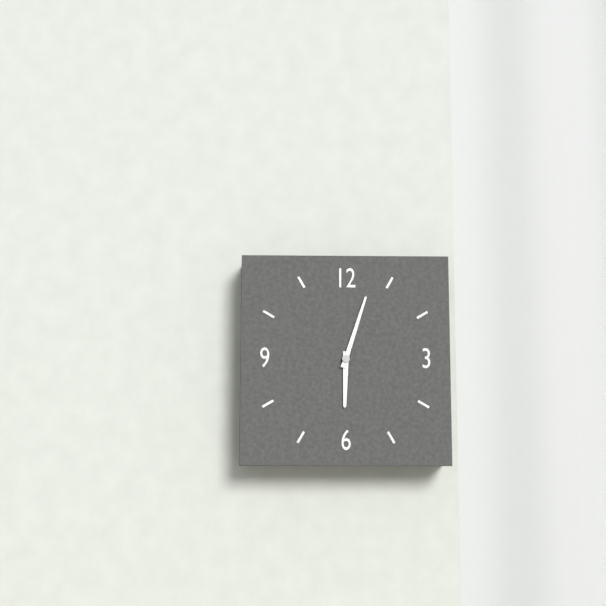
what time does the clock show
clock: 6:03
